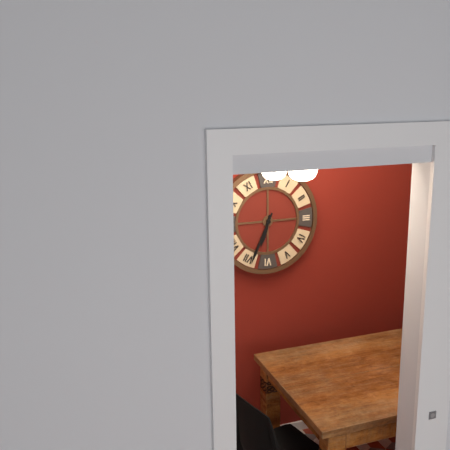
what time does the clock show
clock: 6:34
